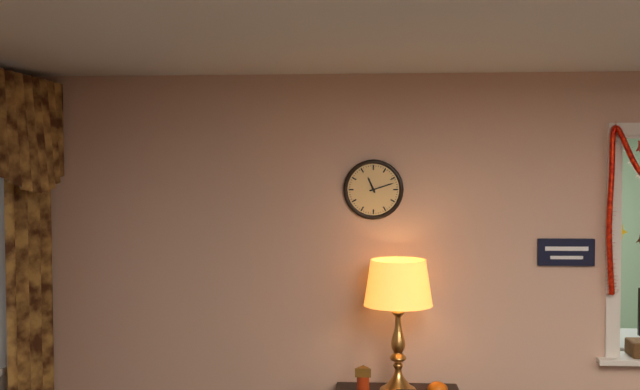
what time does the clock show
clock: 11:12
